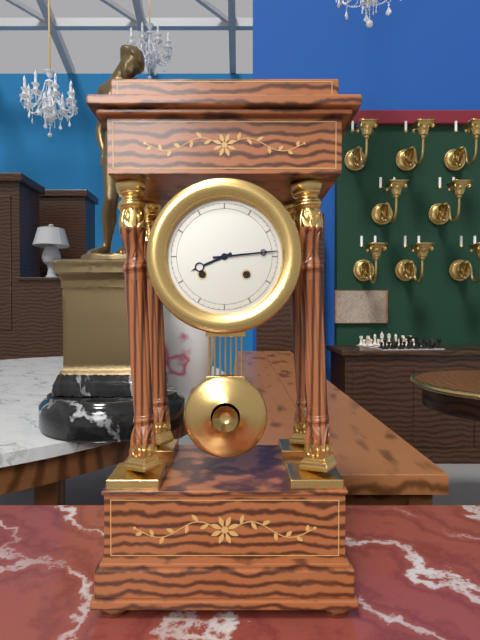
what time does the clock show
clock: 8:14
